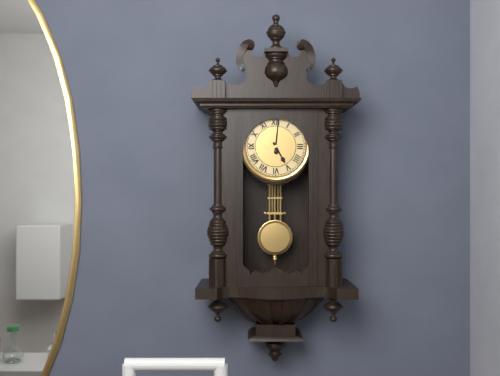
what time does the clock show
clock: 5:01
